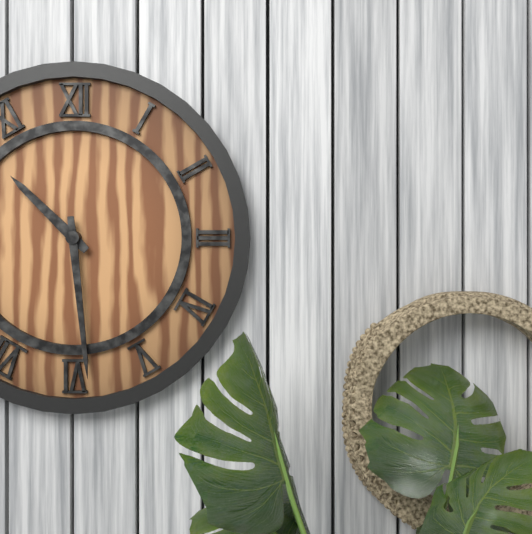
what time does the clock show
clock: 10:29
